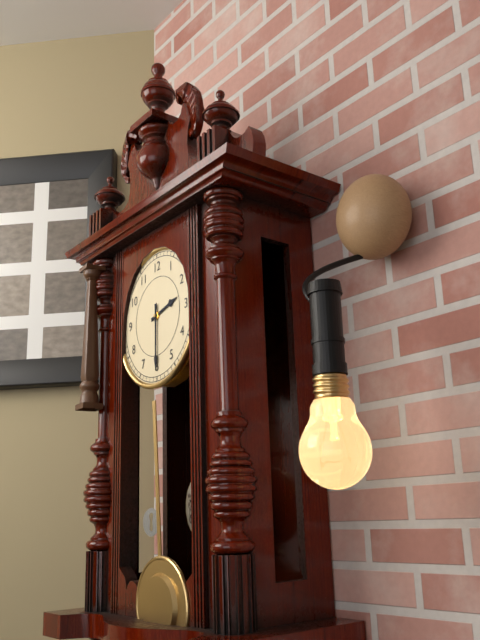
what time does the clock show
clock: 2:30
